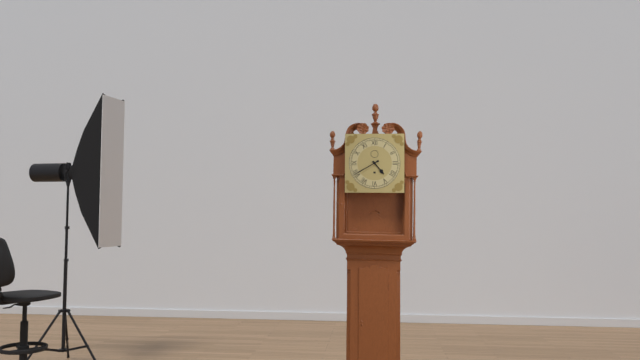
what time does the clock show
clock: 4:40
